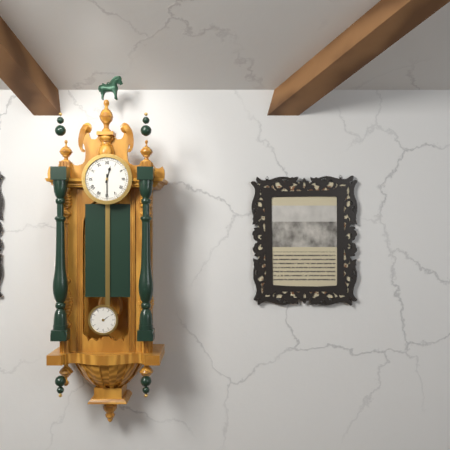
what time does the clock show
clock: 12:30
